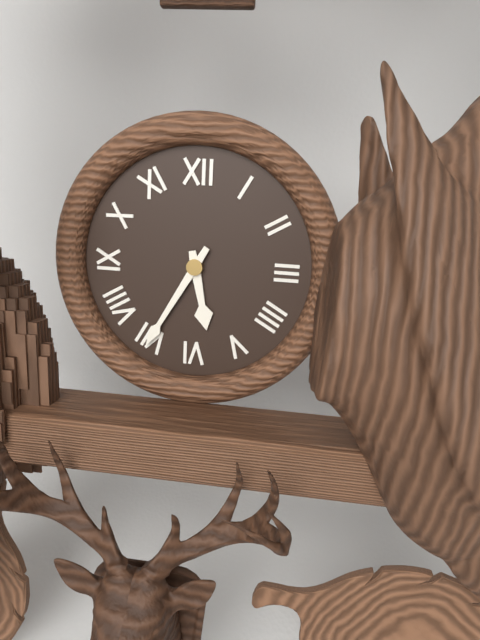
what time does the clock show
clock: 5:35
